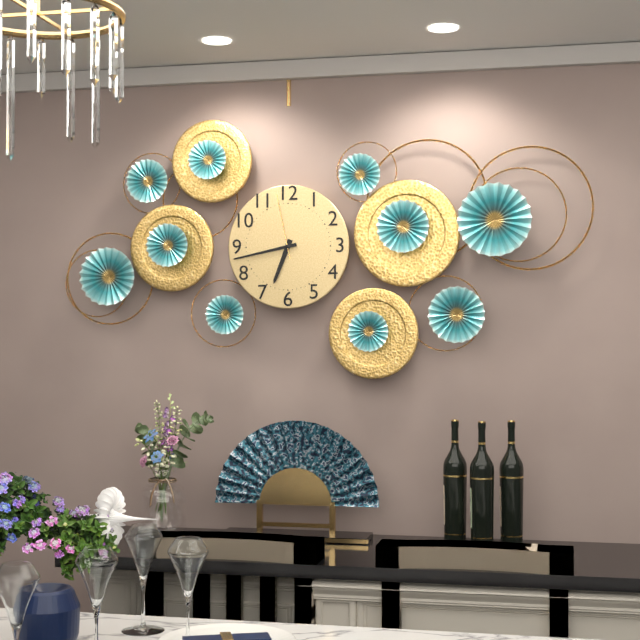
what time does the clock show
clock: 6:43:58
